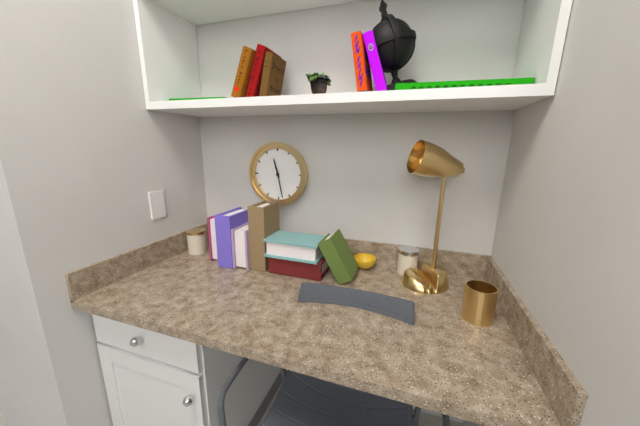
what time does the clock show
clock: 11:28
